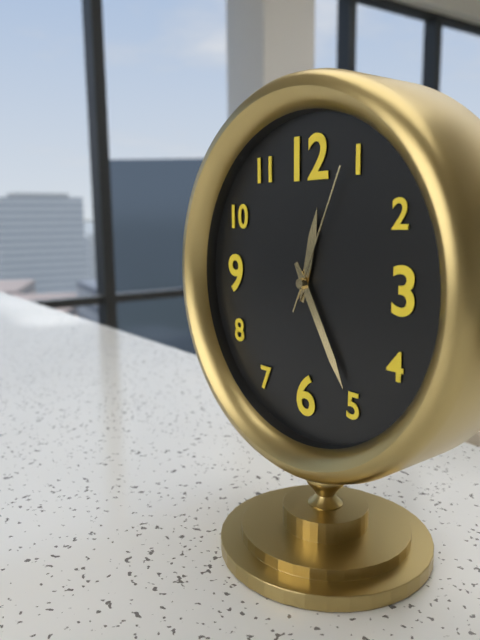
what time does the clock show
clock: 12:25:04
